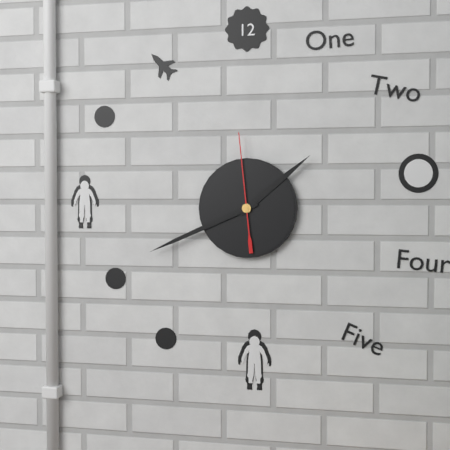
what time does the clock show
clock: 1:41:59
